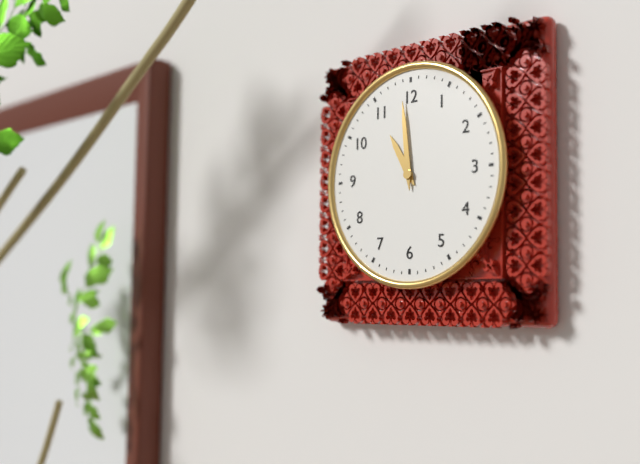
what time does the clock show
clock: 10:59
